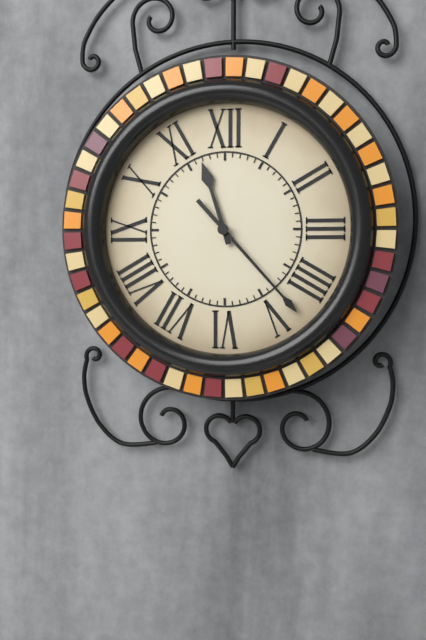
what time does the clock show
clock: 11:23
